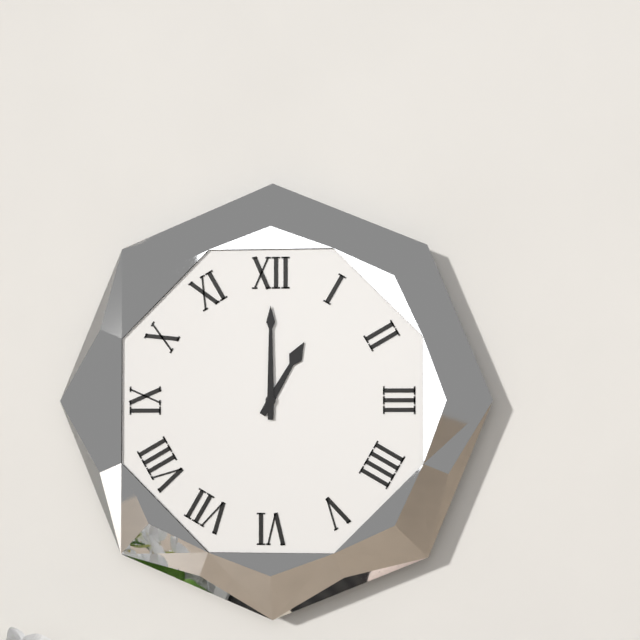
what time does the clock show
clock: 1:00
